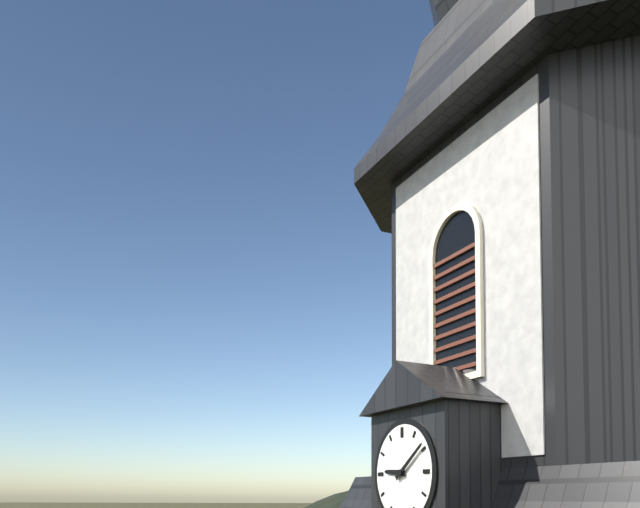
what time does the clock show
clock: 9:09
